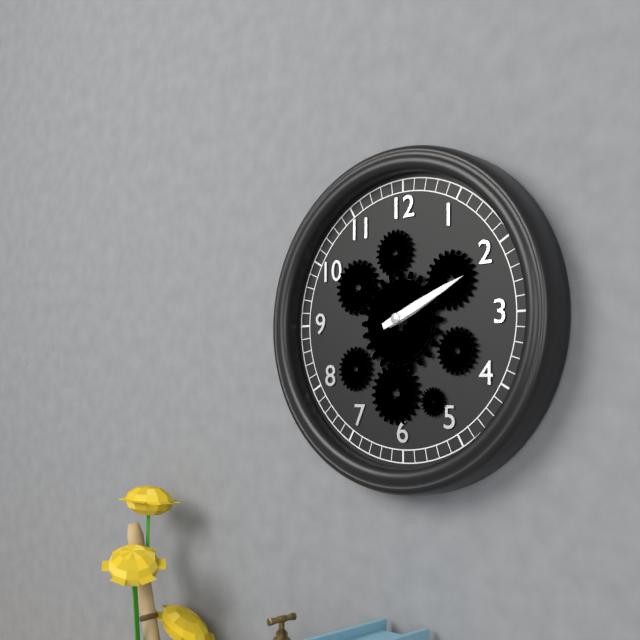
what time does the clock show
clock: 2:11
